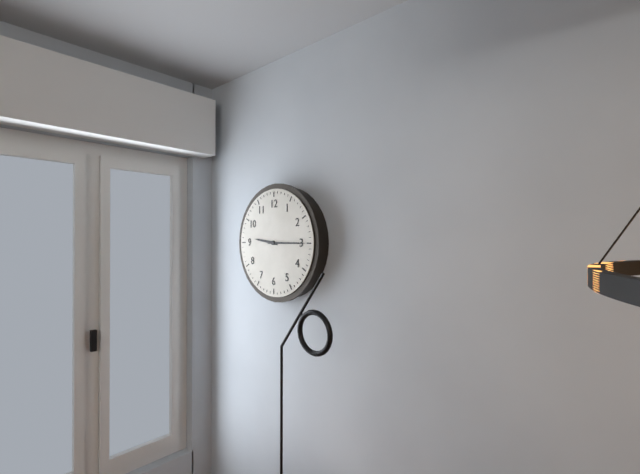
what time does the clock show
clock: 9:15
